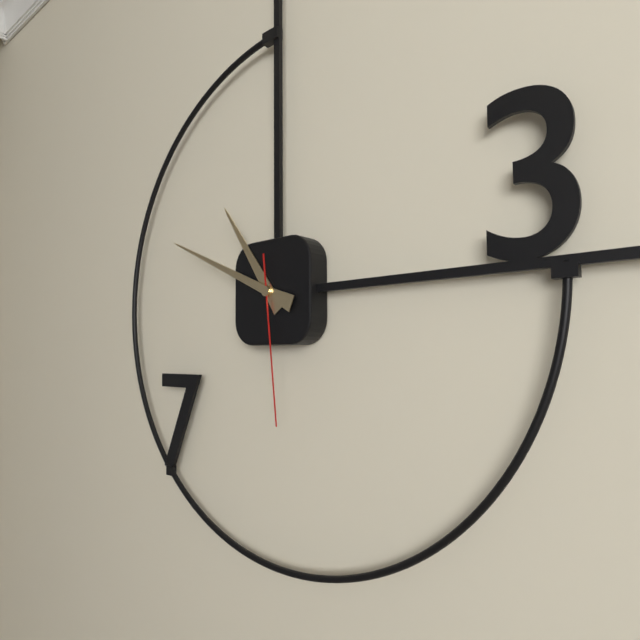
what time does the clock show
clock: 10:49:29
